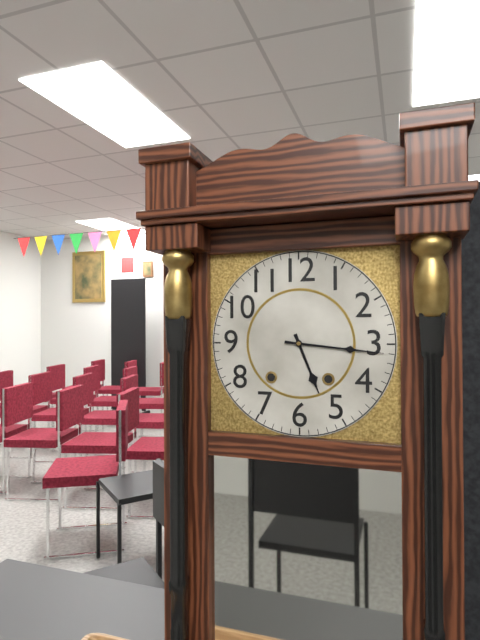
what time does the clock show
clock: 5:16
